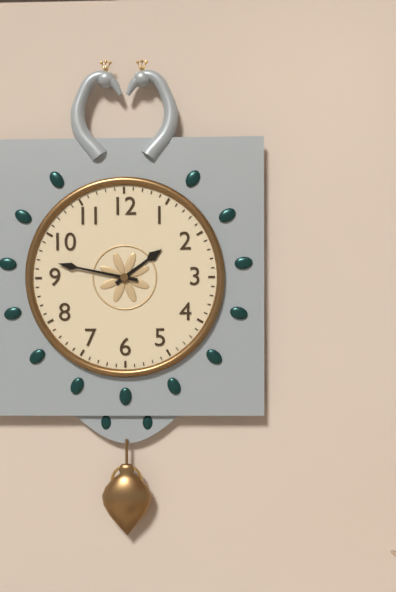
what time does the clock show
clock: 1:47
